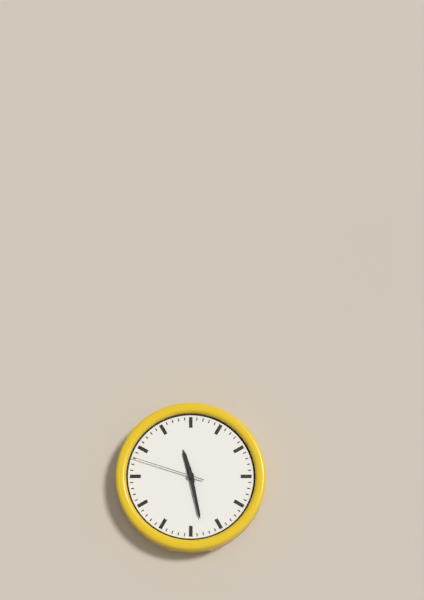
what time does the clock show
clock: 11:28:48
